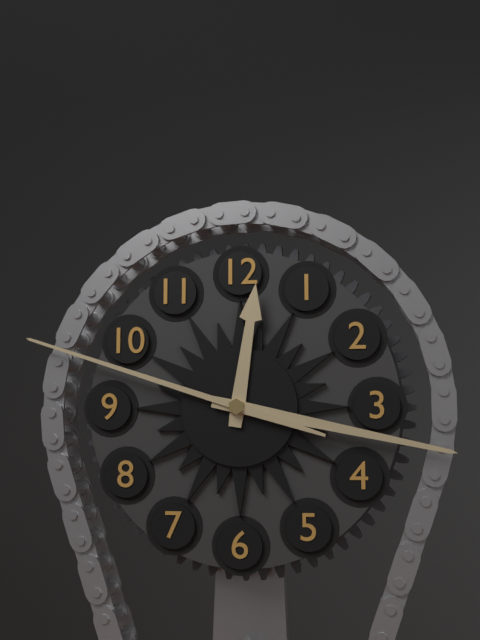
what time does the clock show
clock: 12:17:48
